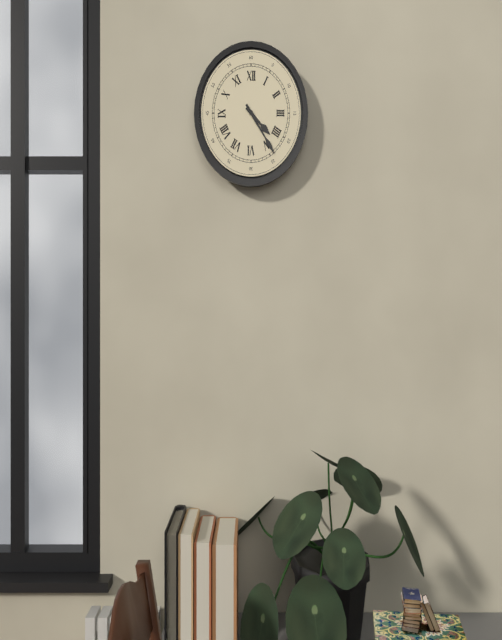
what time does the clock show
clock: 4:24
